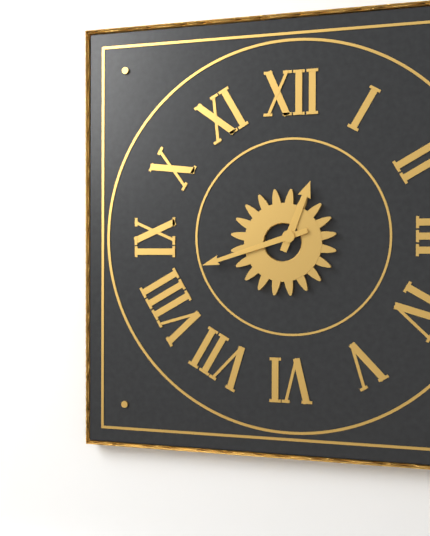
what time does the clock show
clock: 12:42
